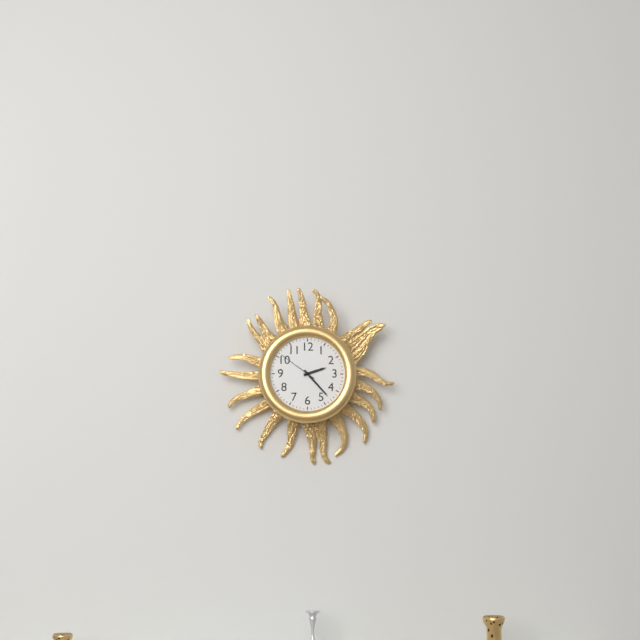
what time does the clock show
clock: 2:23
